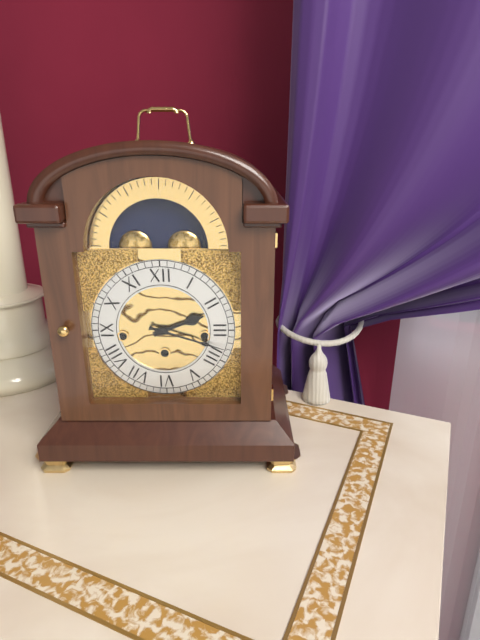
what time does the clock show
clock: 2:18
